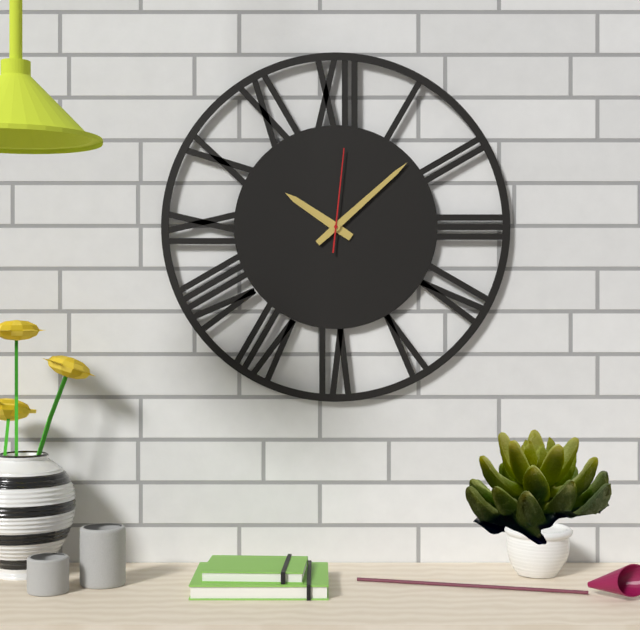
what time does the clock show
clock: 10:08:01
